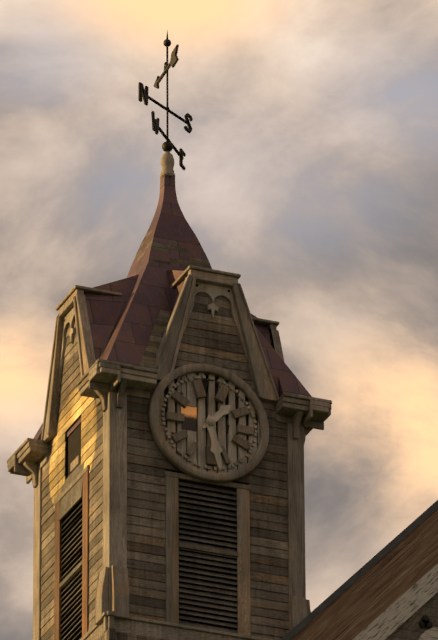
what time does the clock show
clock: 1:28
